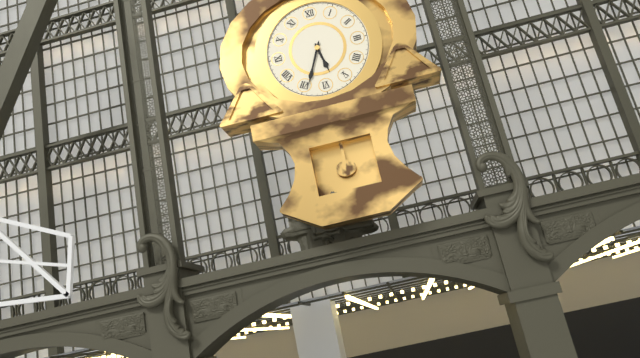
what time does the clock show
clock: 5:34
